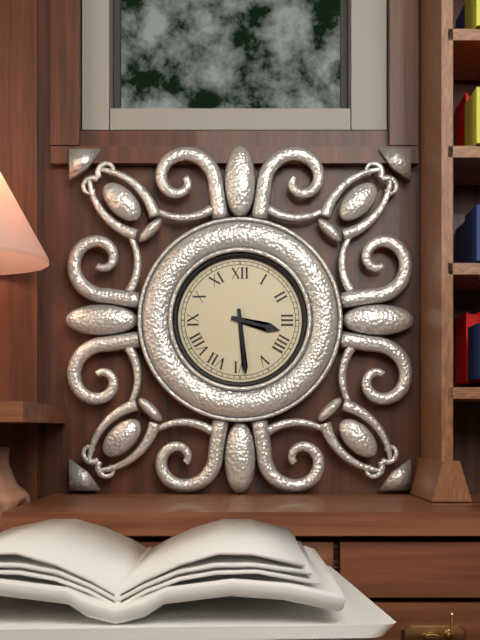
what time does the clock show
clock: 3:29
